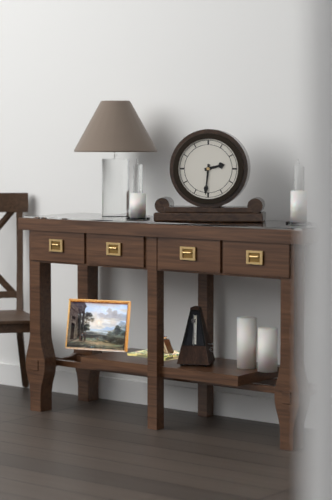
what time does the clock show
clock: 2:31
